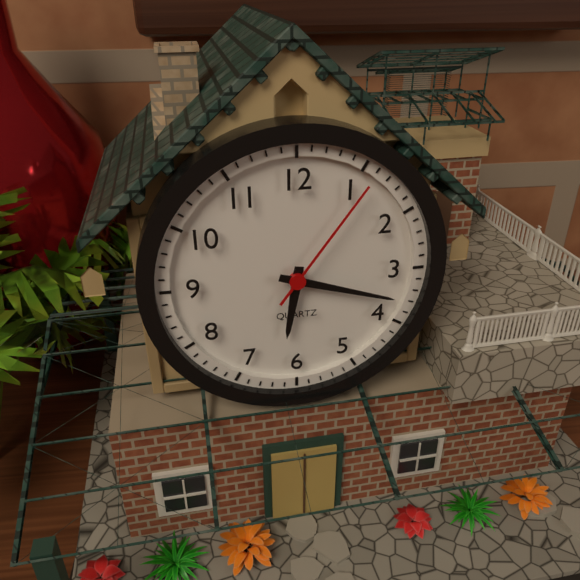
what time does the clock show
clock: 6:18:06
